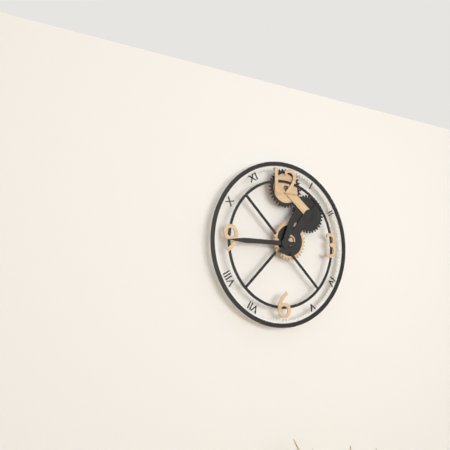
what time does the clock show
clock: 12:45
